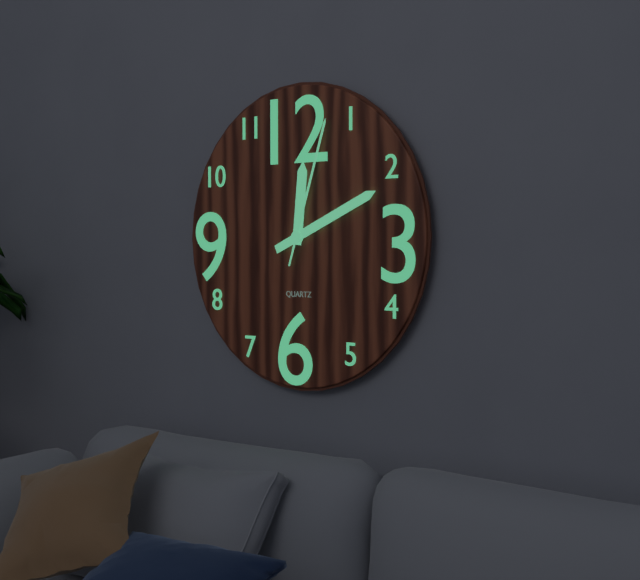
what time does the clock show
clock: 12:11:03
